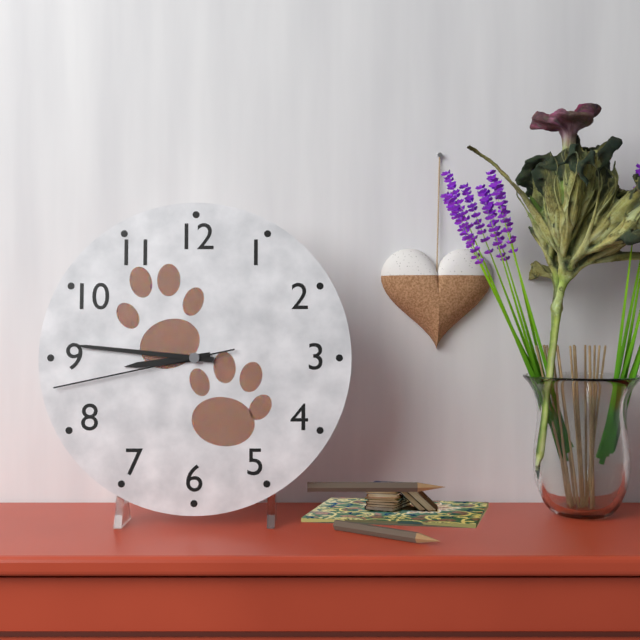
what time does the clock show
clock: 8:46:43
